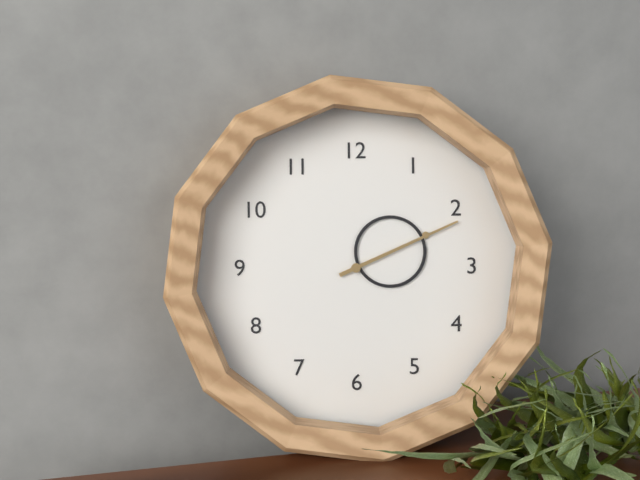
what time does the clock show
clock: 2:11
